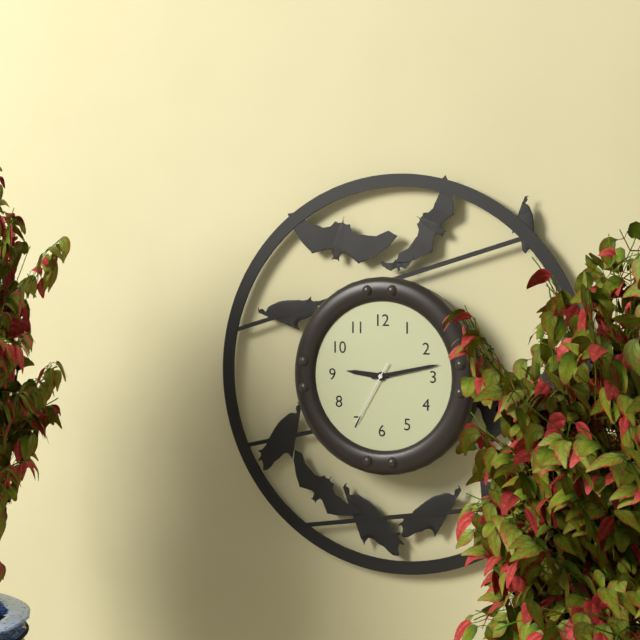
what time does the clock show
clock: 9:13:35
